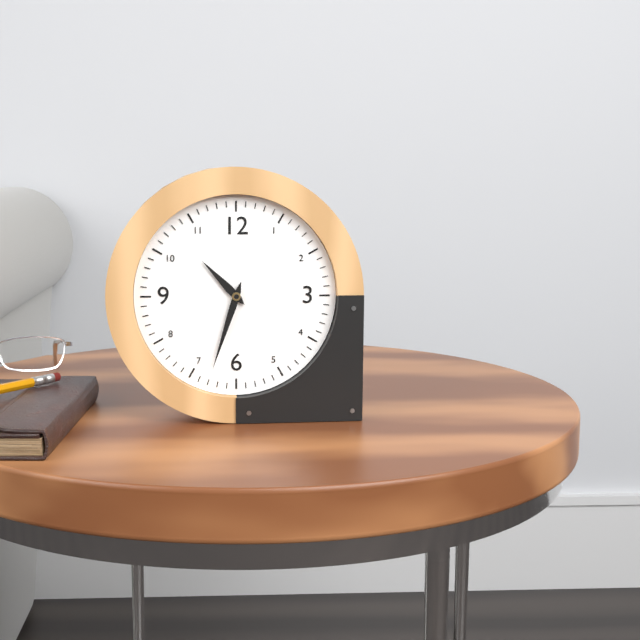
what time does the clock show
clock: 10:33
